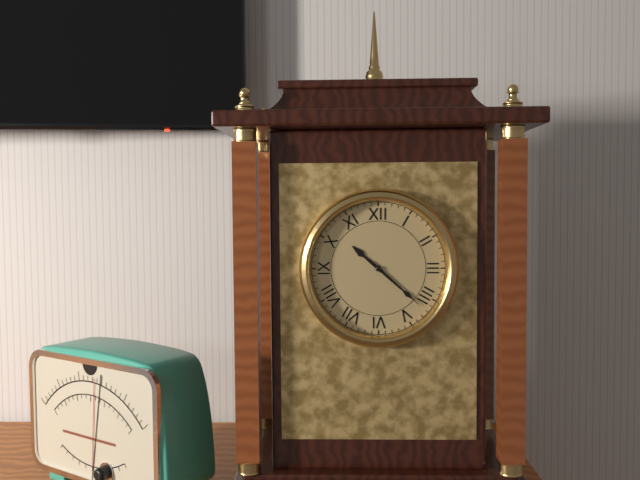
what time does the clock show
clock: 10:22
